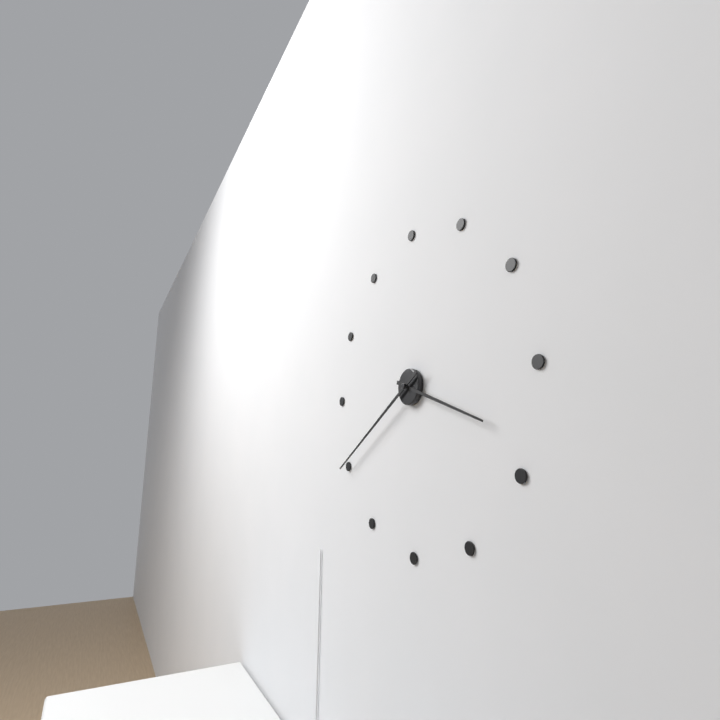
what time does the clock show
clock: 3:40
